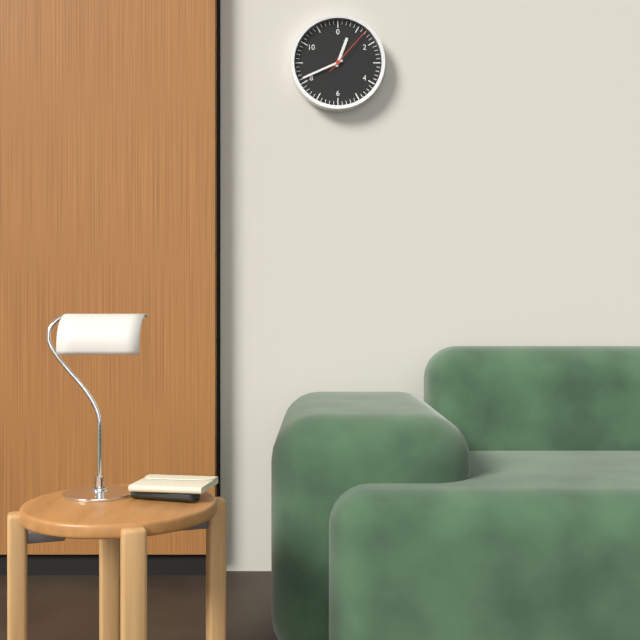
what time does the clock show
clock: 12:41:07
